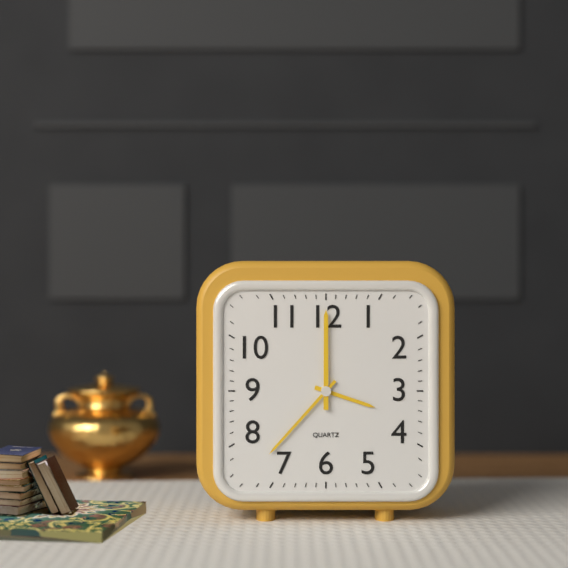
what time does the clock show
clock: 3:37:00
